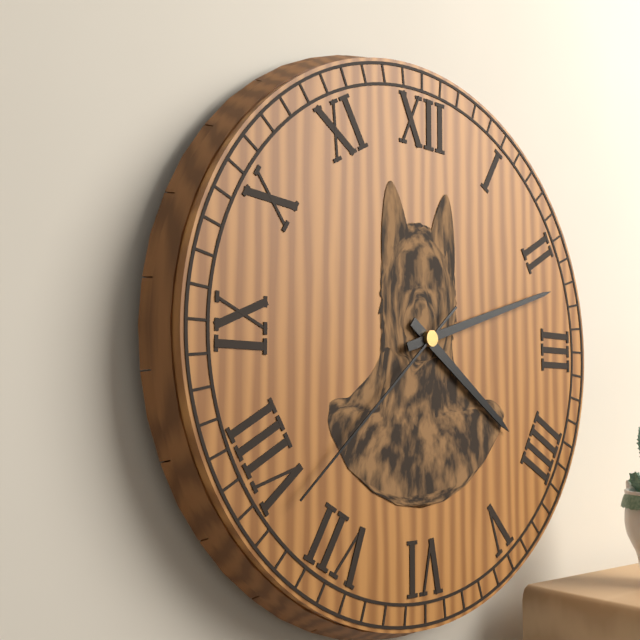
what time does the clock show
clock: 4:12:38
